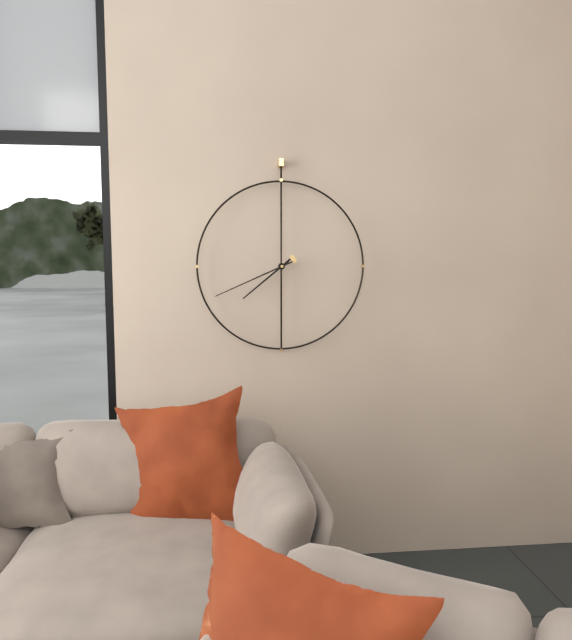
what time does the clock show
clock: 7:41
